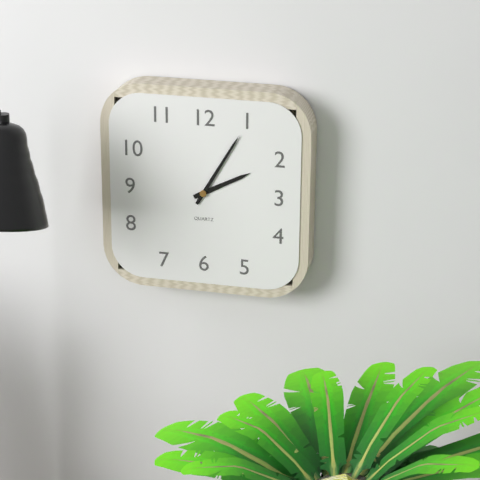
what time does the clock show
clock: 2:05
